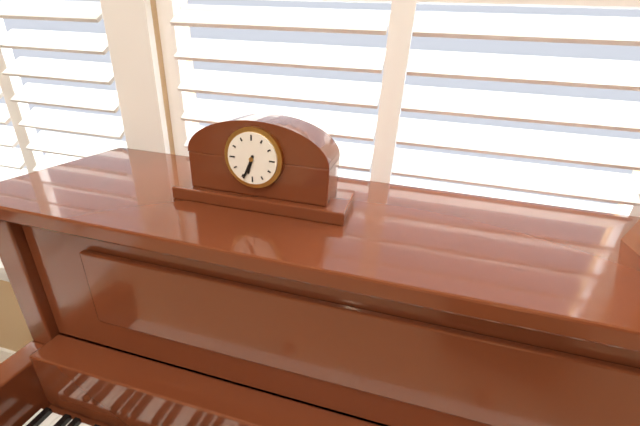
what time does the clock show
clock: 6:34
